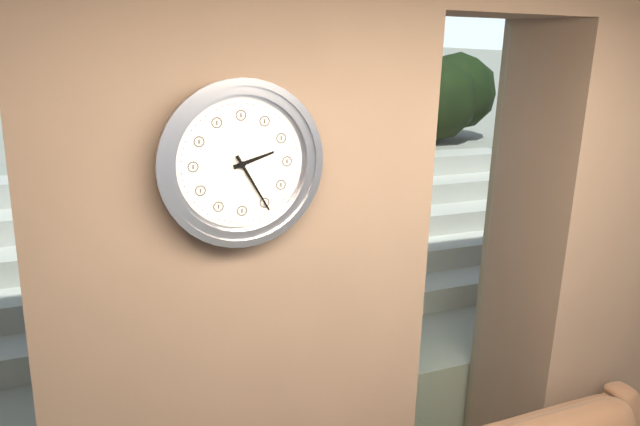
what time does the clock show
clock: 2:25
